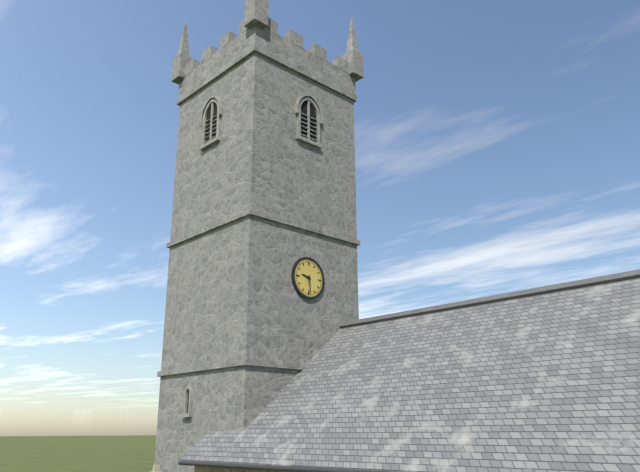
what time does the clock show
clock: 9:29
